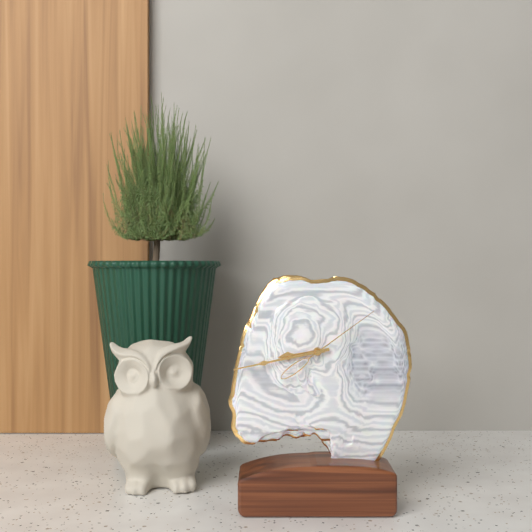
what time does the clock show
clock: 8:43:09
